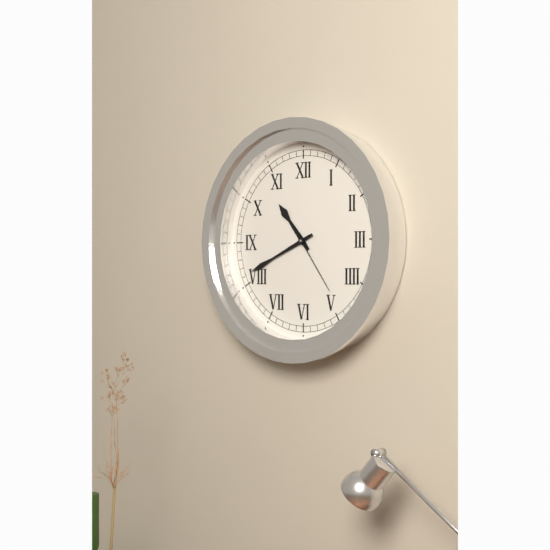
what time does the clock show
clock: 10:41:24
